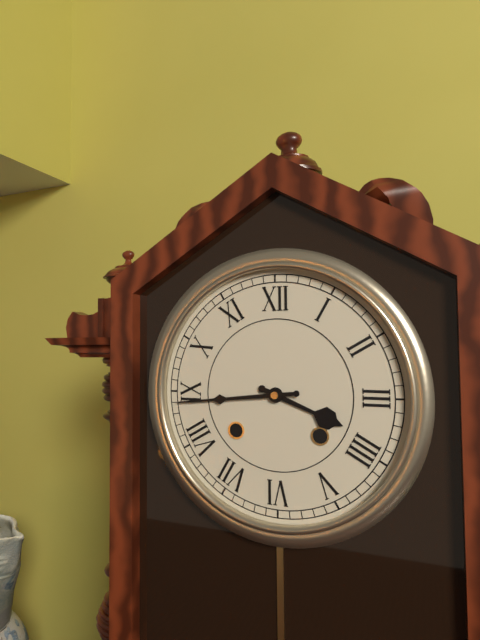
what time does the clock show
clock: 3:44
